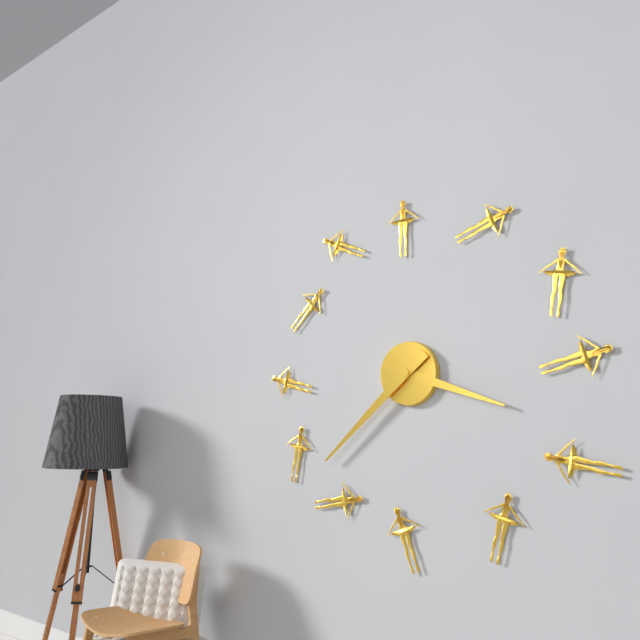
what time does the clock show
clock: 3:38
